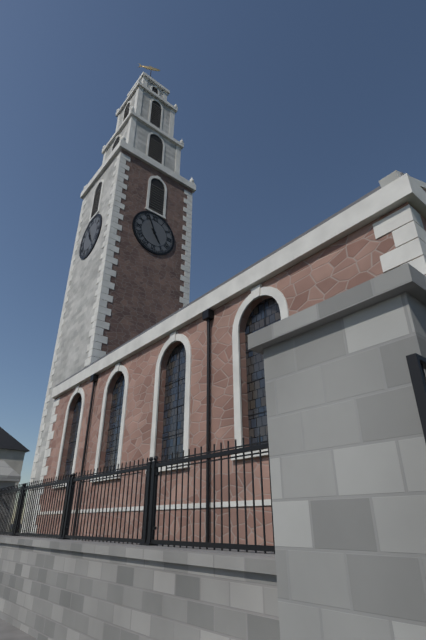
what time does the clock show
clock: 4:56
